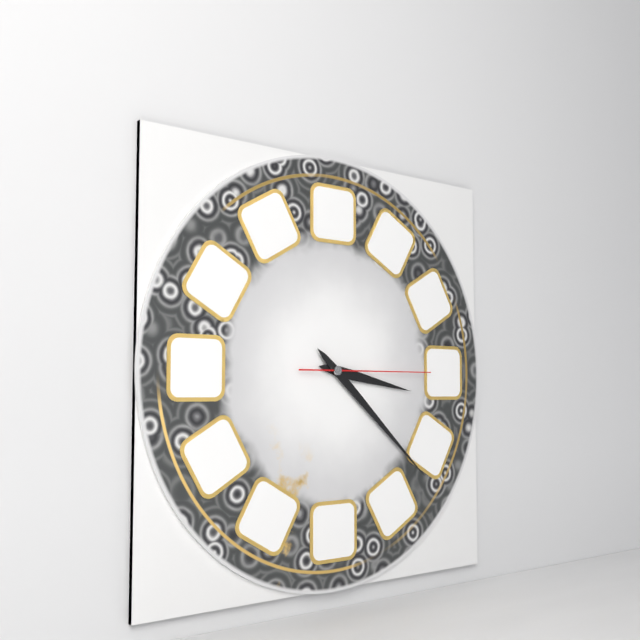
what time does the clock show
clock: 3:22:15
